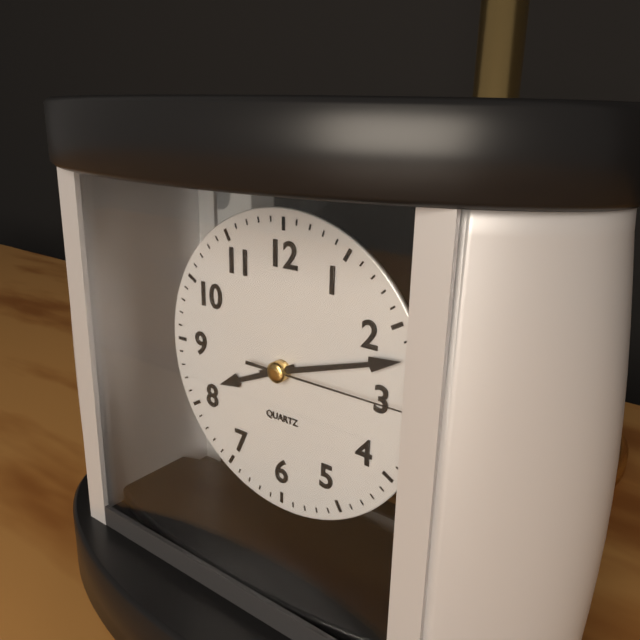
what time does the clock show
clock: 8:12:15
